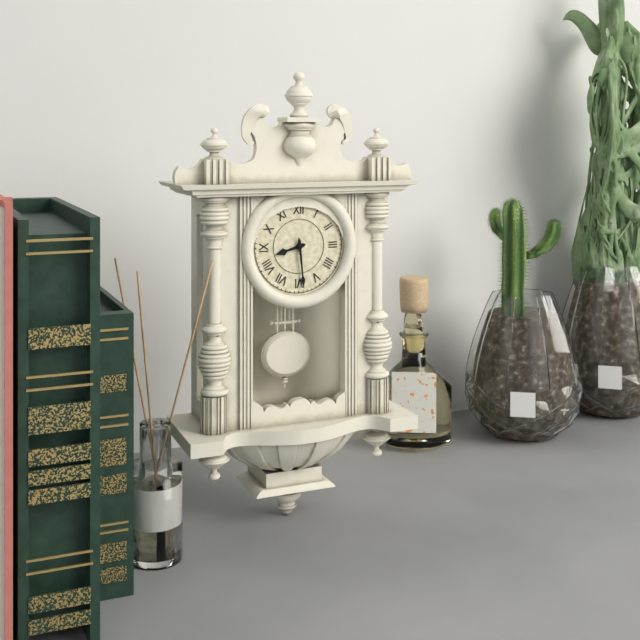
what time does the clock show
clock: 8:29
